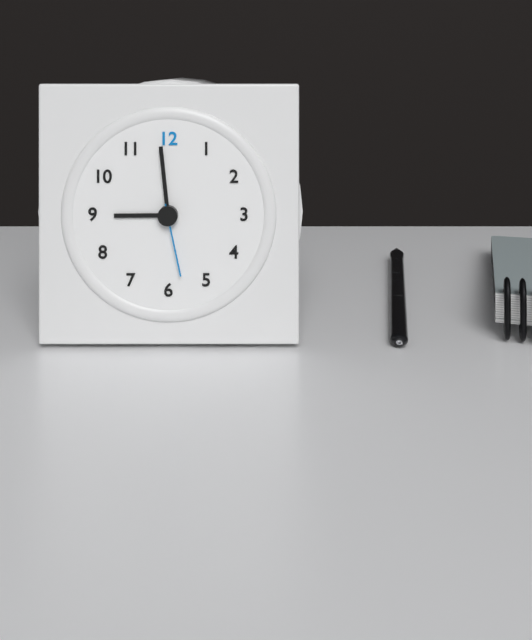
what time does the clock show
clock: 8:59:28
